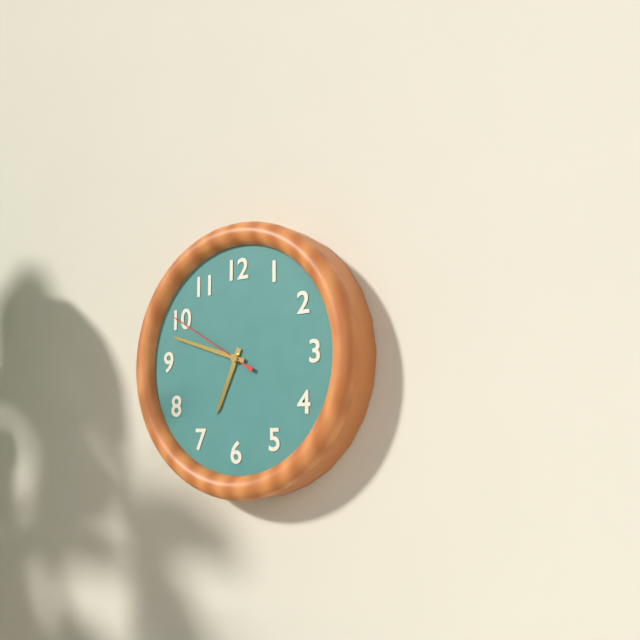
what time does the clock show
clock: 6:48:50
